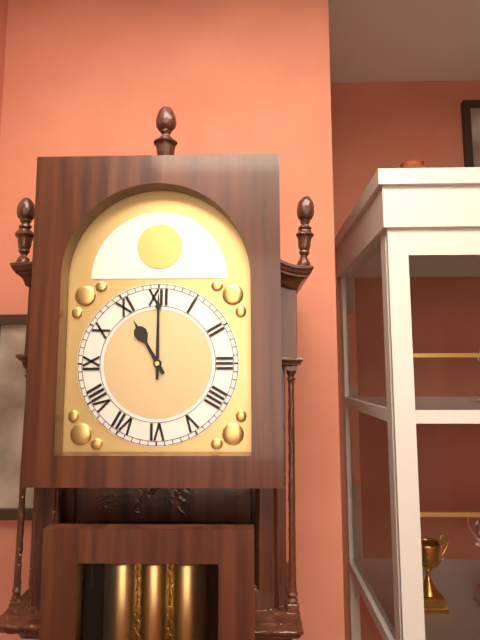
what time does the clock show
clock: 11:00
